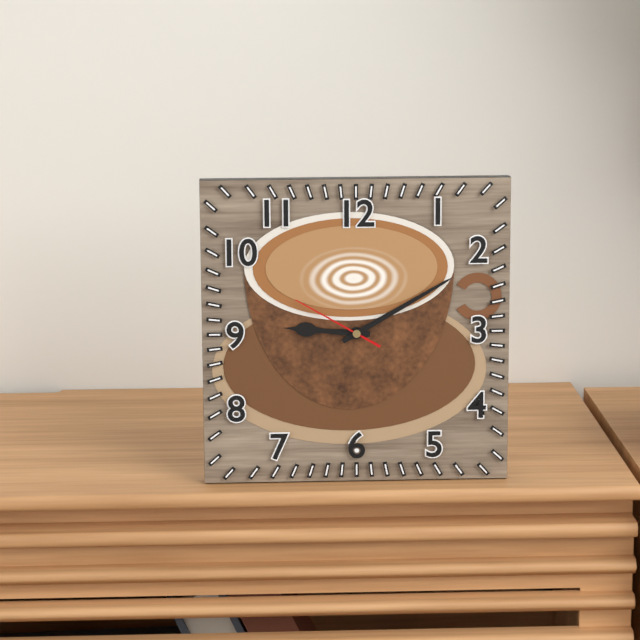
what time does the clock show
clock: 9:10:50
